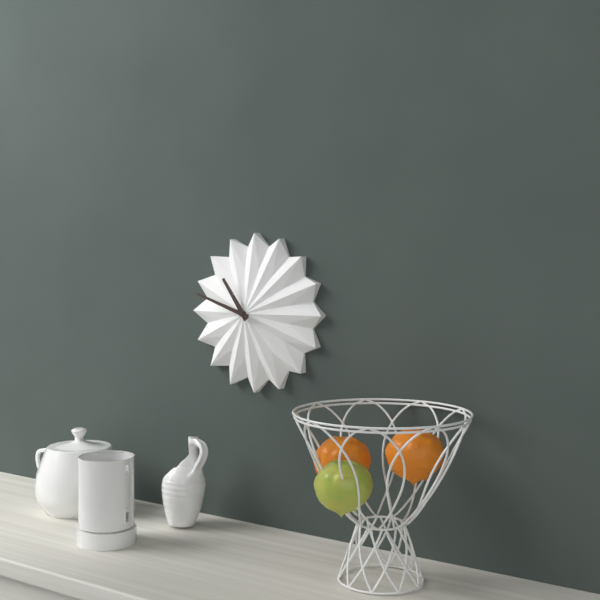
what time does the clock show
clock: 10:48
